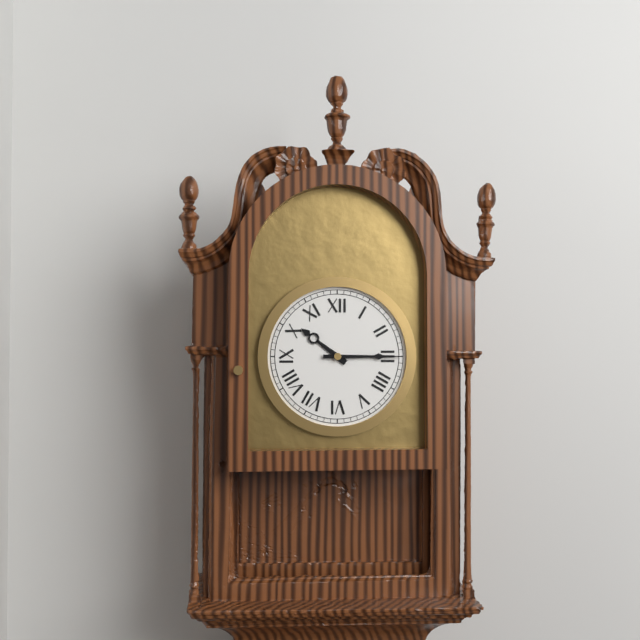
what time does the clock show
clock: 10:15
